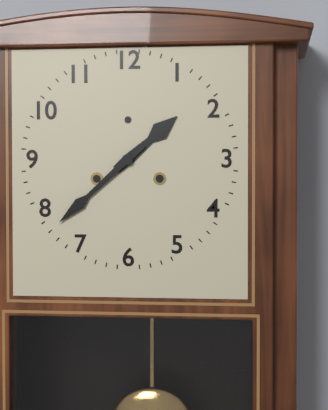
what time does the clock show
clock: 1:38
